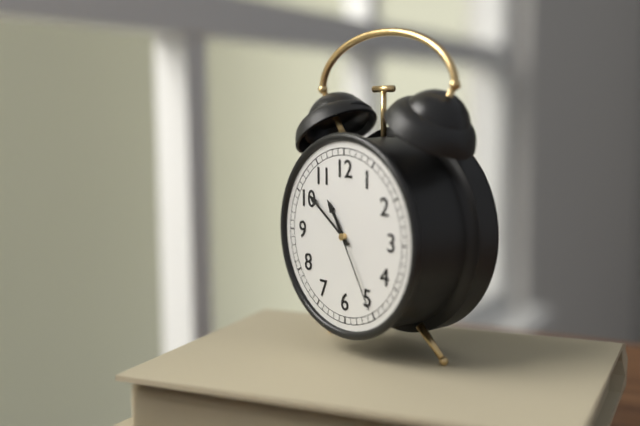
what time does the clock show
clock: 10:51:25
